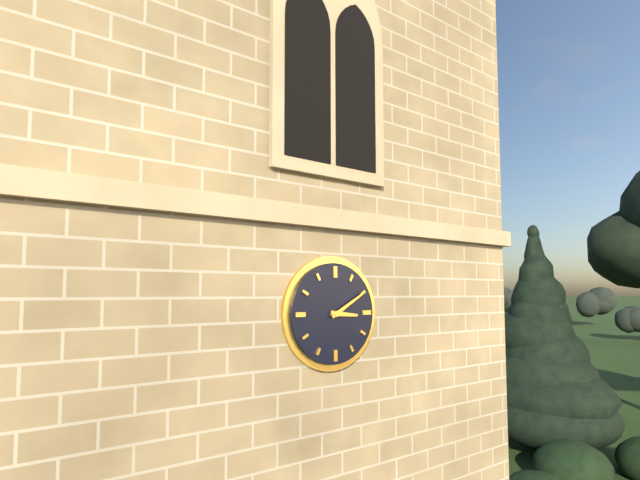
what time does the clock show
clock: 3:10
